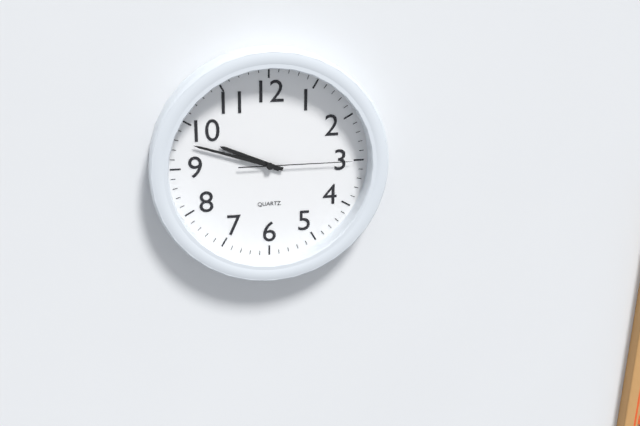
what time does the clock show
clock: 9:48:15
